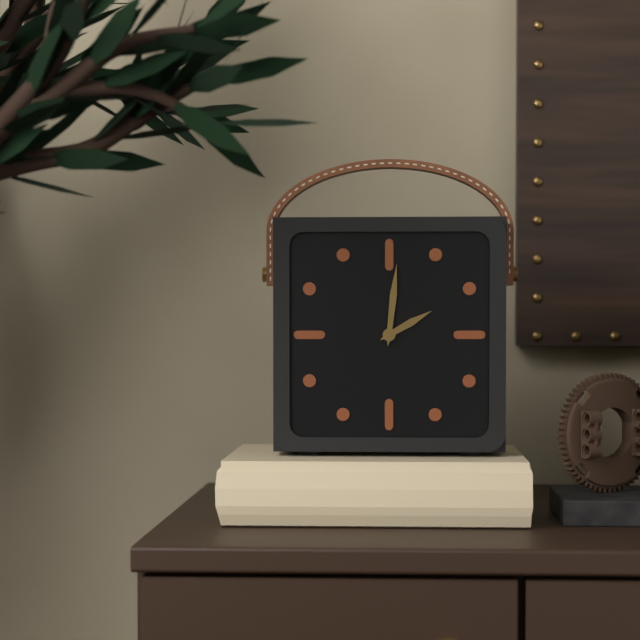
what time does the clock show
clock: 2:01
